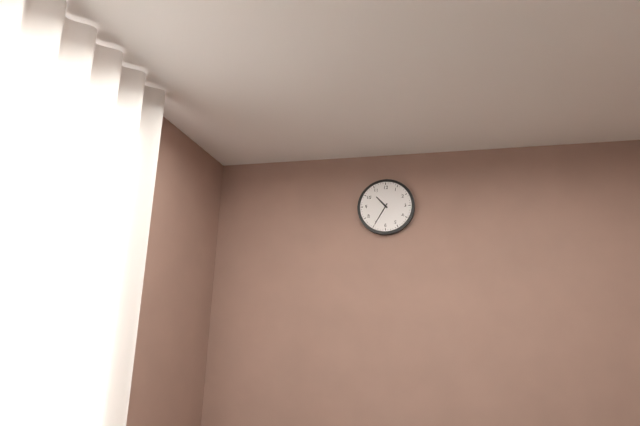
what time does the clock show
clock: 10:35
